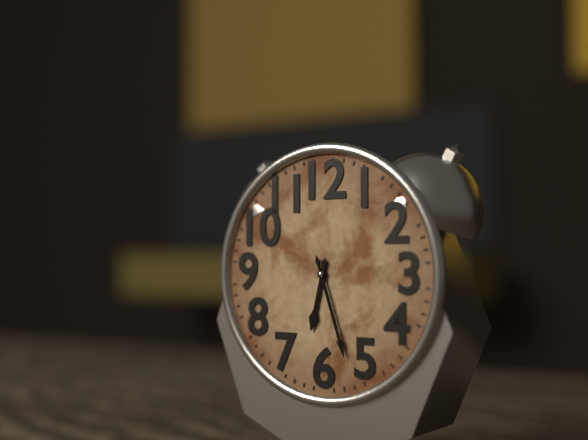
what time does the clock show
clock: 6:27
